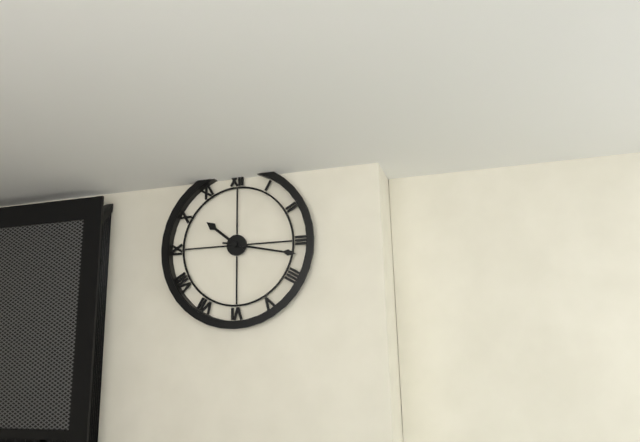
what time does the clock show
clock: 10:17
